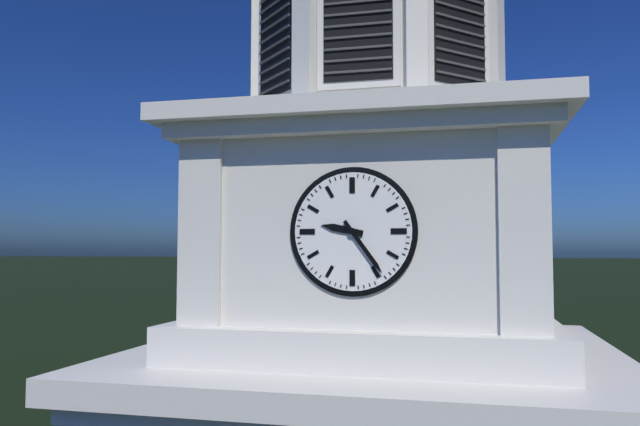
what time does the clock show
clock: 9:24
